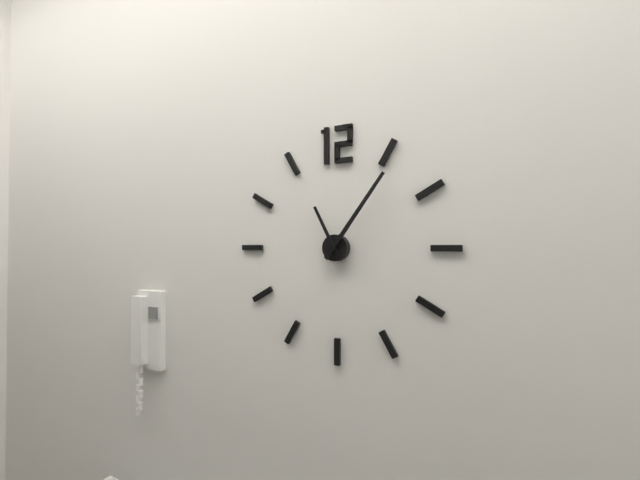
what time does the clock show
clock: 11:06
